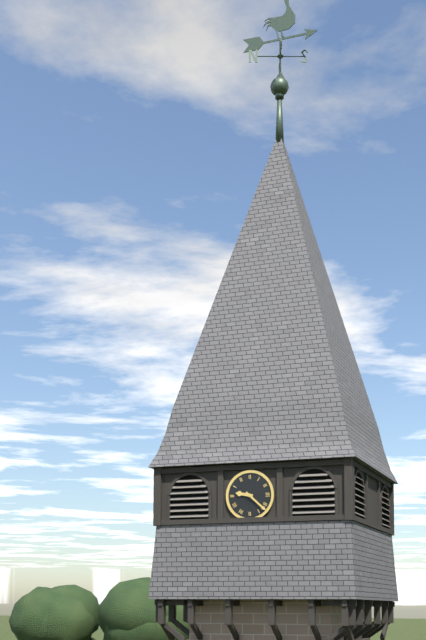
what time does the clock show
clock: 9:22
